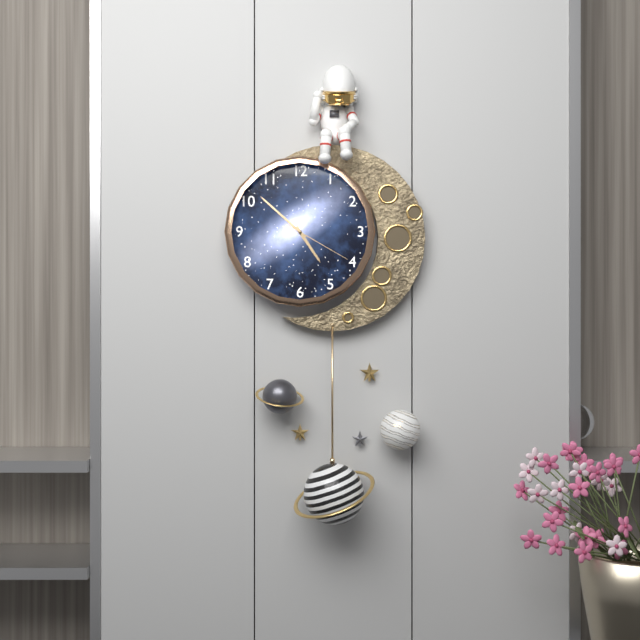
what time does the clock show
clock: 4:52:20
